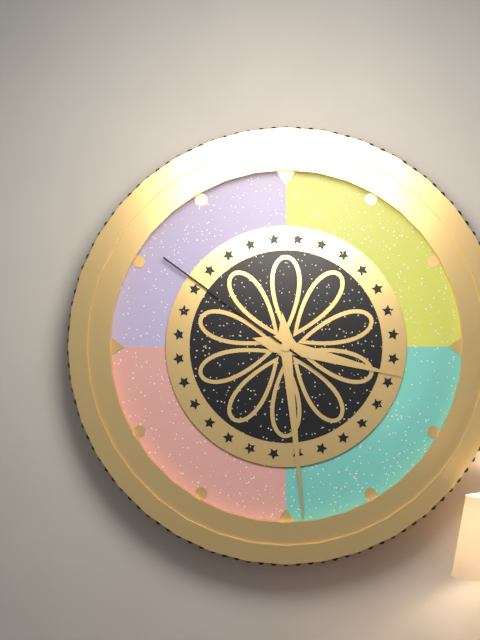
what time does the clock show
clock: 3:29:51
